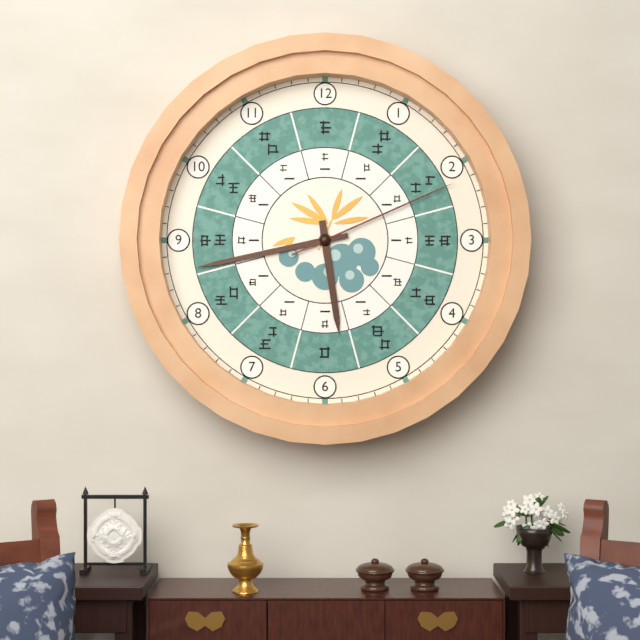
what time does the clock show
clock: 5:43:11
